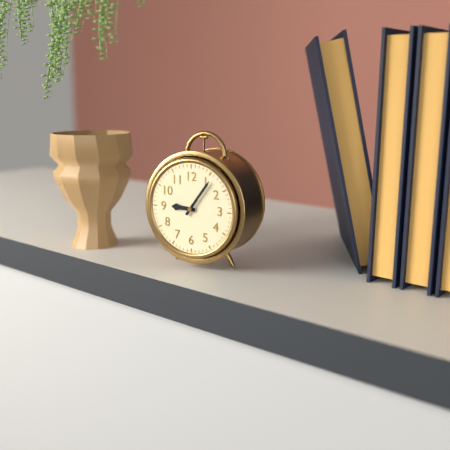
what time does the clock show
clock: 9:06
